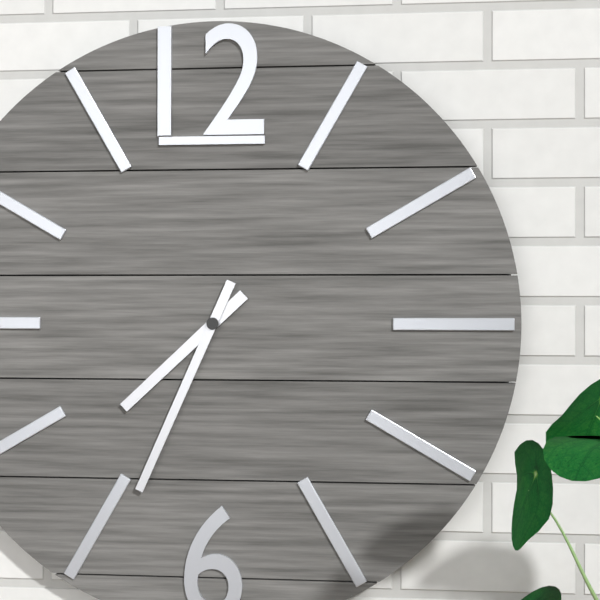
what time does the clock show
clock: 7:34
